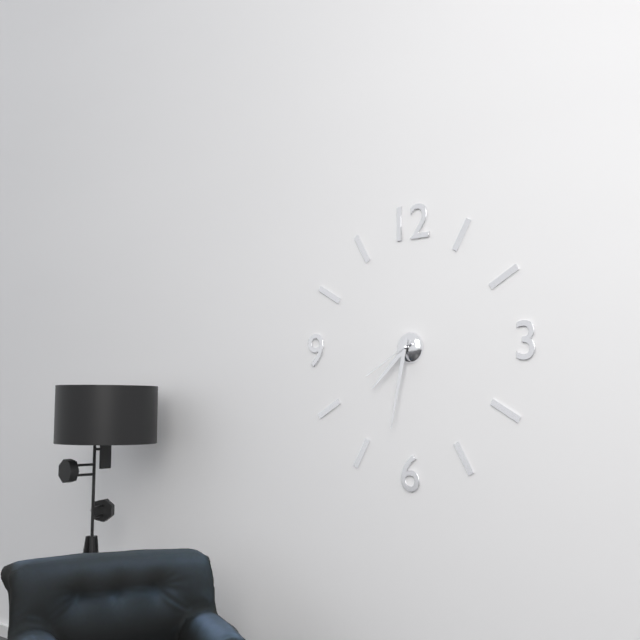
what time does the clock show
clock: 7:32:40
